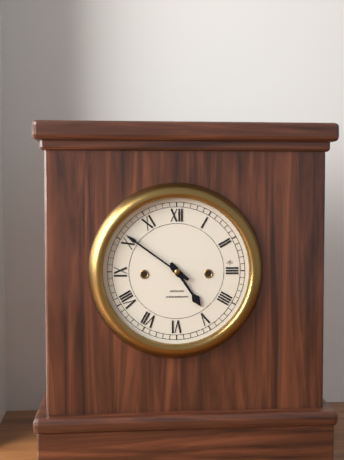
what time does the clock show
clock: 4:51
